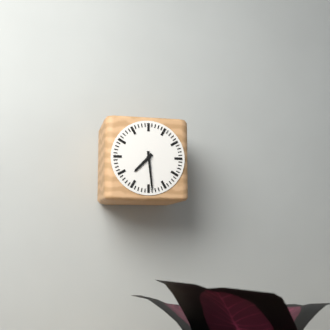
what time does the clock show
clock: 7:29
